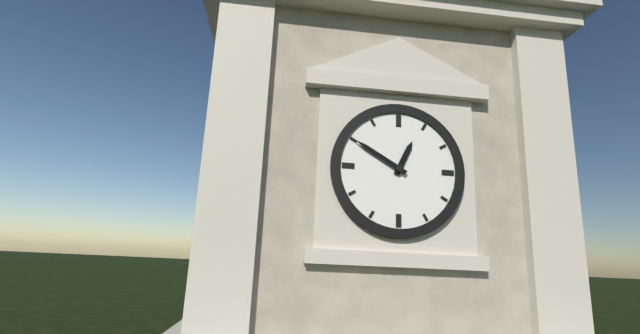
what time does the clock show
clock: 12:50
